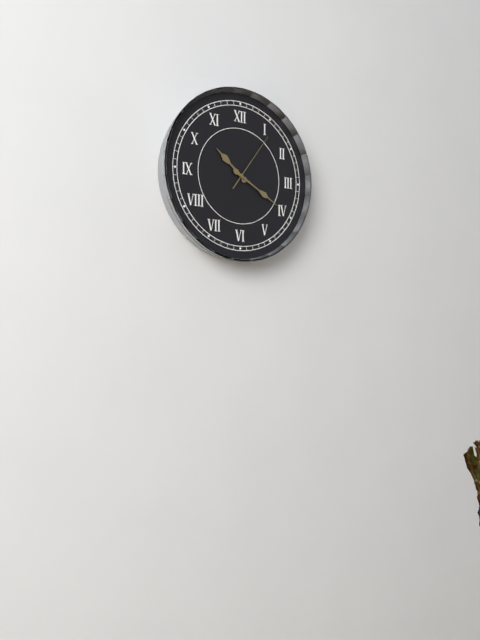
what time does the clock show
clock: 10:20:06
